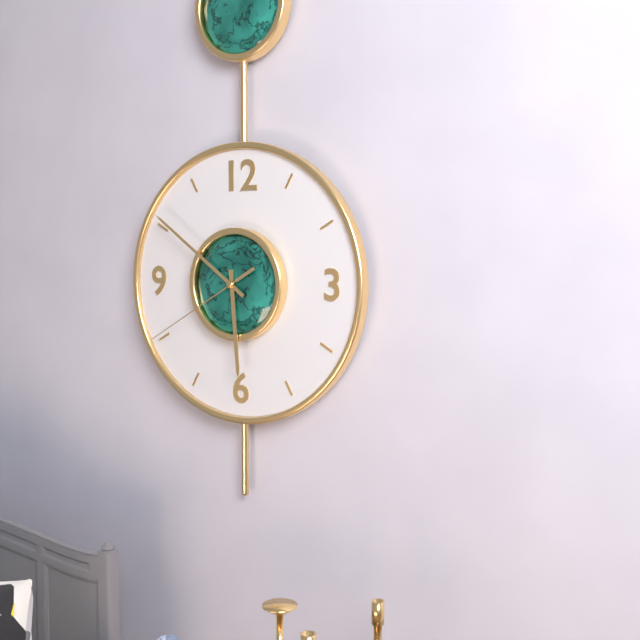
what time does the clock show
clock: 5:51:40
